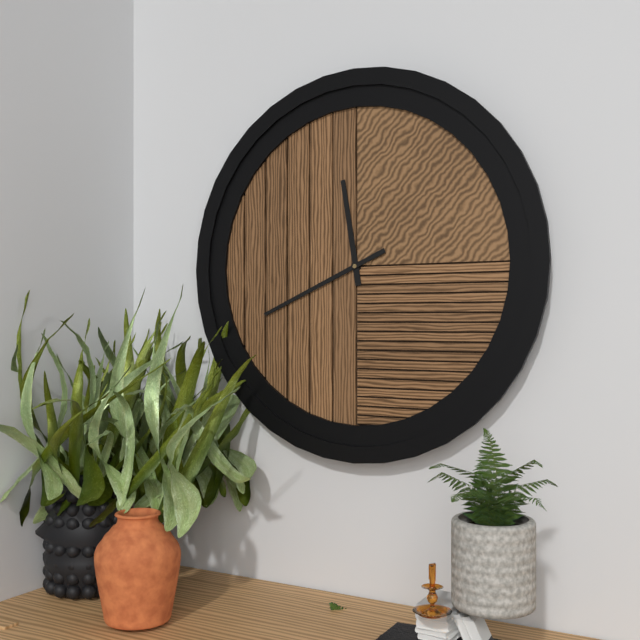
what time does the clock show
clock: 11:41
